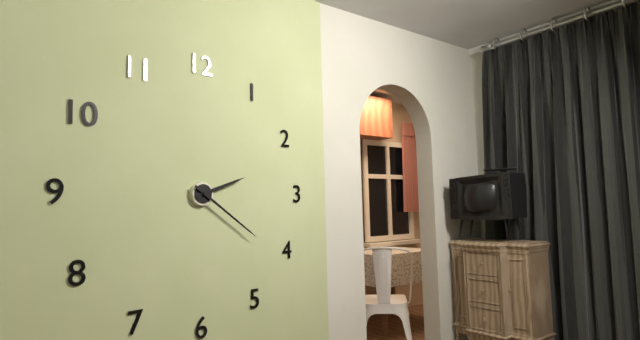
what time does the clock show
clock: 2:21
